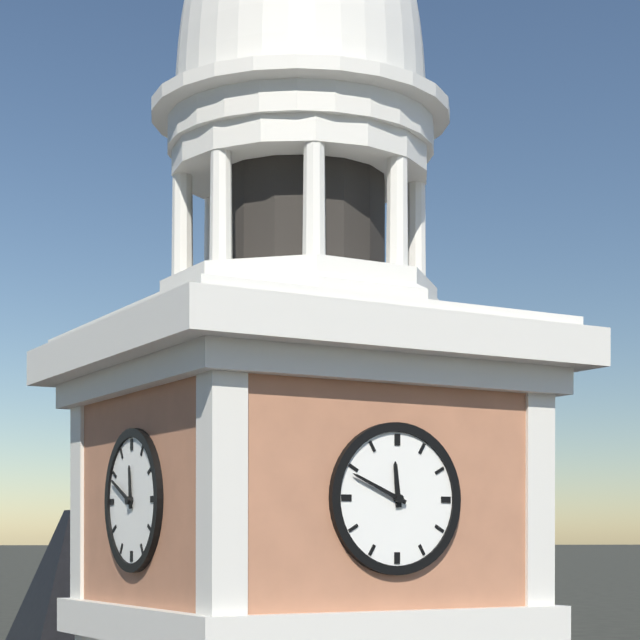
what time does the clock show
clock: 11:49
